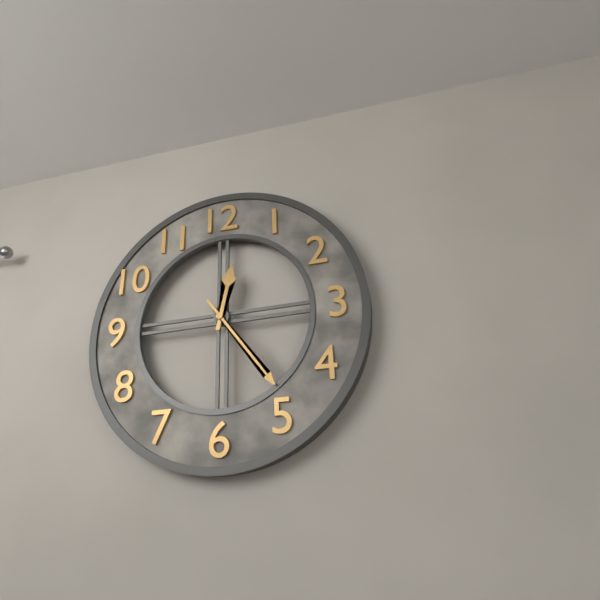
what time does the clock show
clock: 12:24
